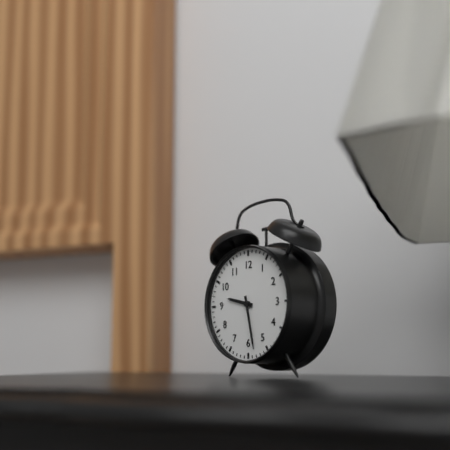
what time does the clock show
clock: 9:28
